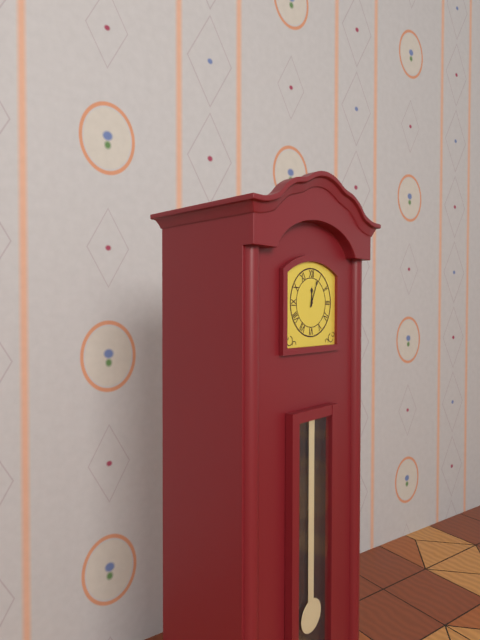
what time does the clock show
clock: 12:04
